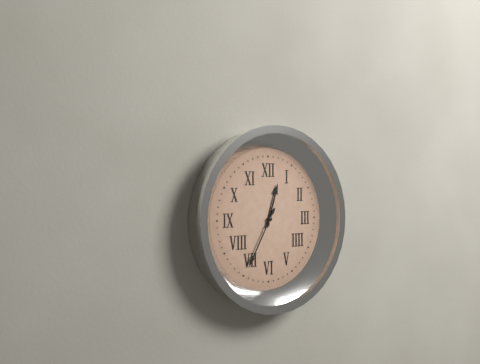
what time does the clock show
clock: 12:35
